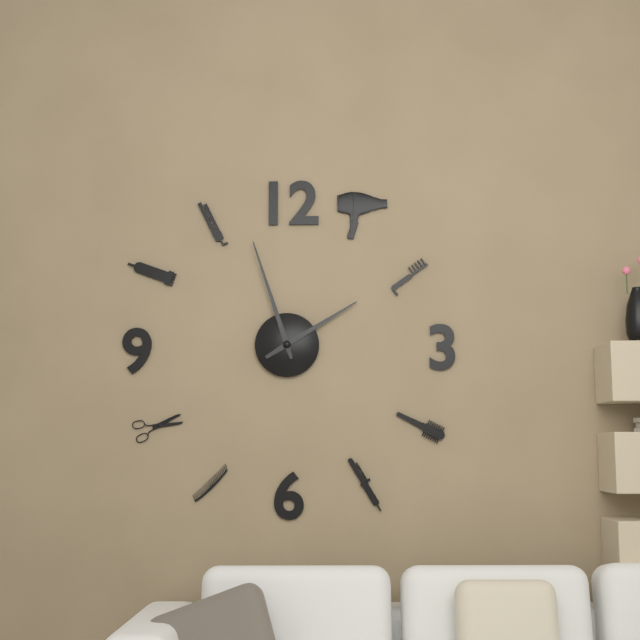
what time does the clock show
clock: 1:57
